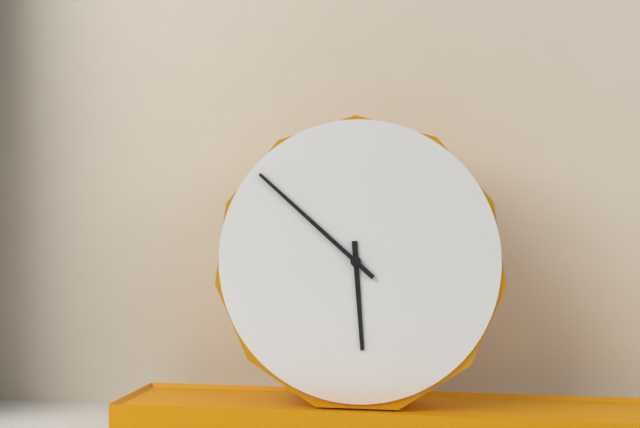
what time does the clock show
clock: 5:52
